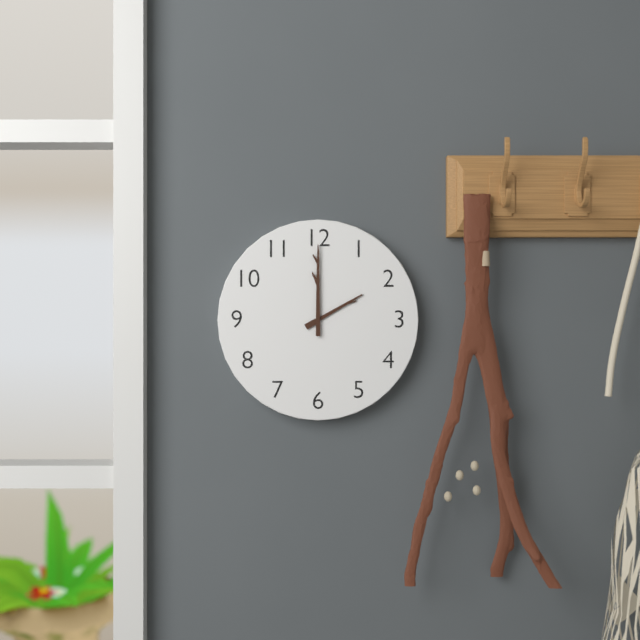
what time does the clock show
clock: 2:00
